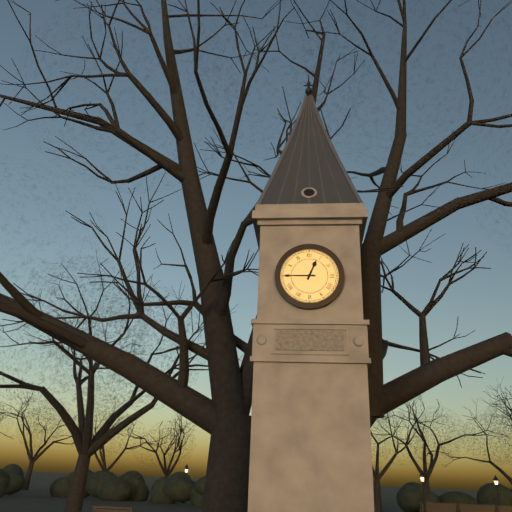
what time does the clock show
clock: 12:45
